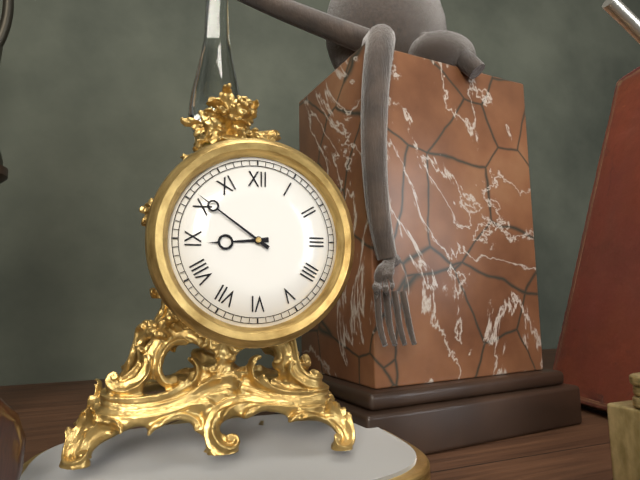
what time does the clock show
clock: 8:51
